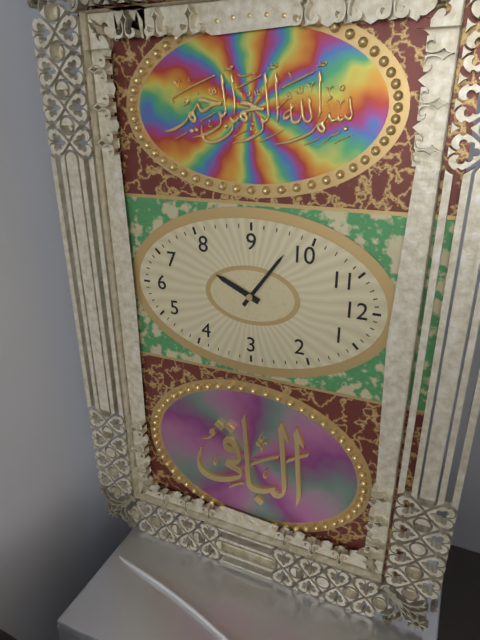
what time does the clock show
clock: 6:51
